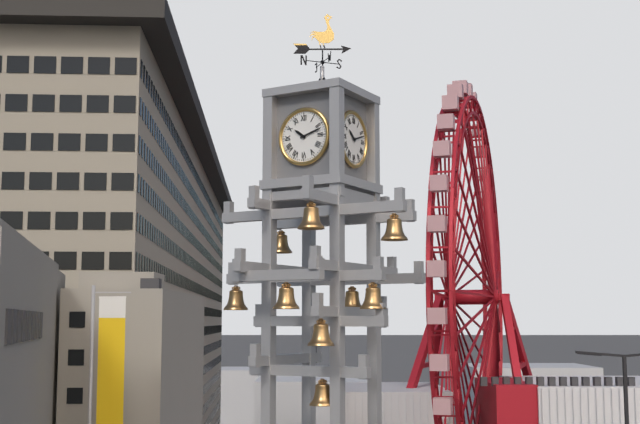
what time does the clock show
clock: 10:12
